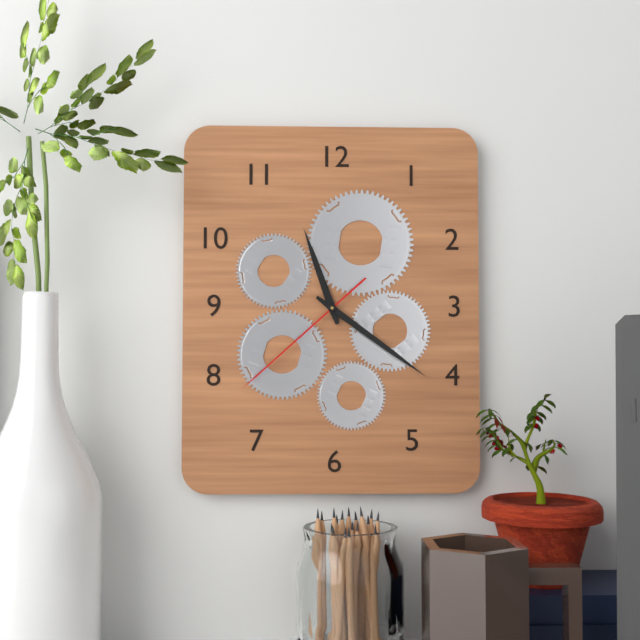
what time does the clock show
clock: 11:21:38
